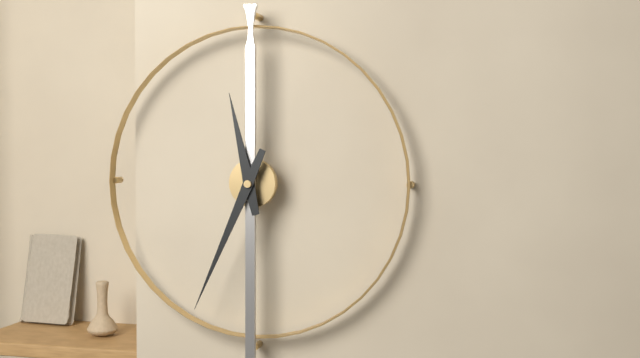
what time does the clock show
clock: 11:34
